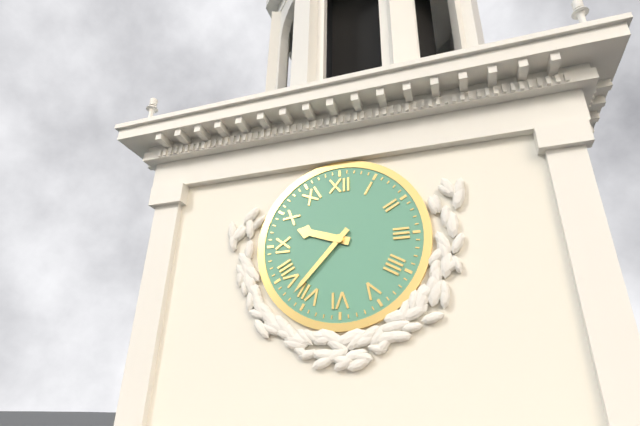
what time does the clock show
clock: 9:37
